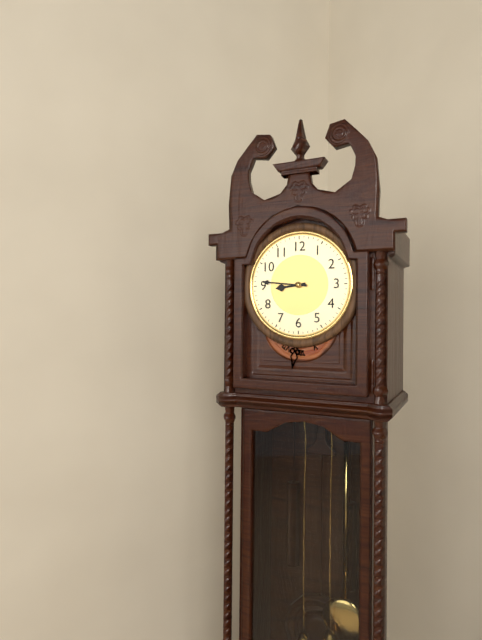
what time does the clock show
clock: 8:46
